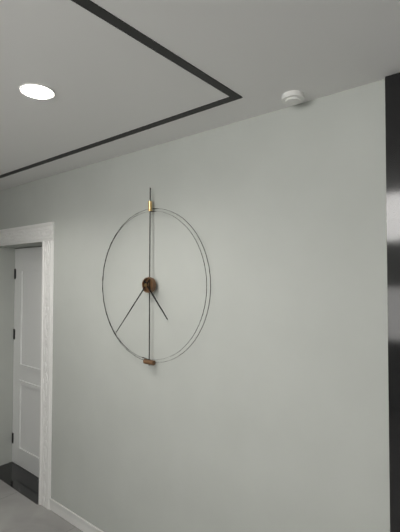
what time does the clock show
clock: 4:37
